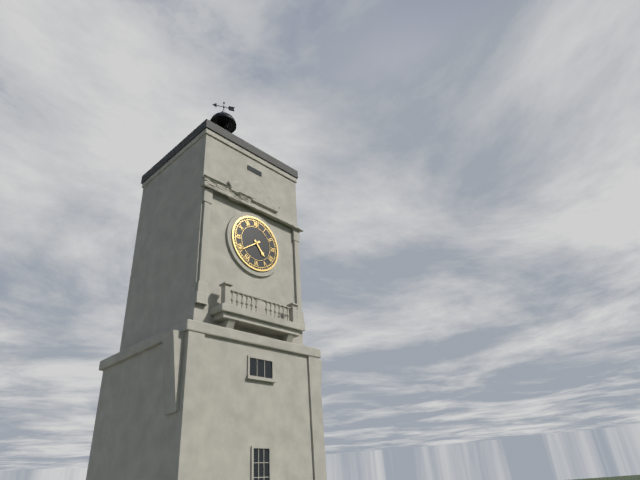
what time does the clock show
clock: 4:39
